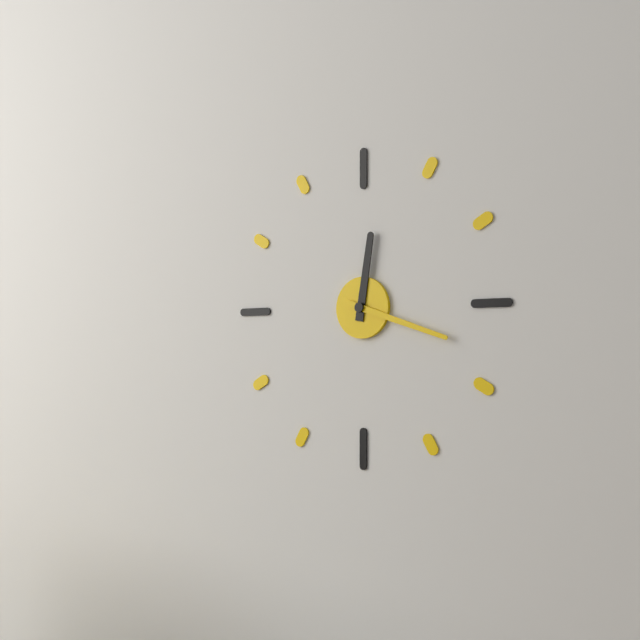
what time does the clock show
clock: 12:18
